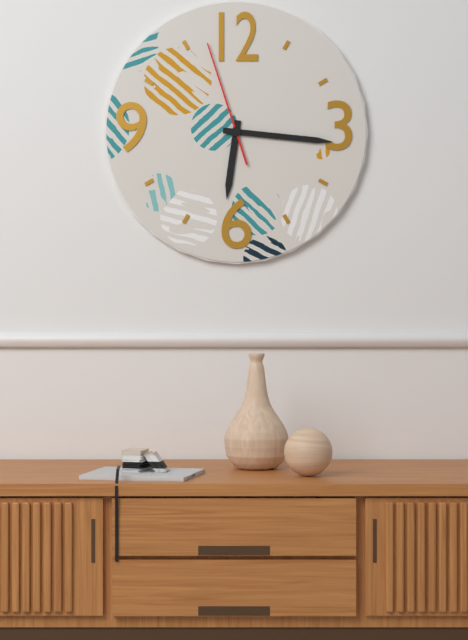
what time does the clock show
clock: 6:16:57
